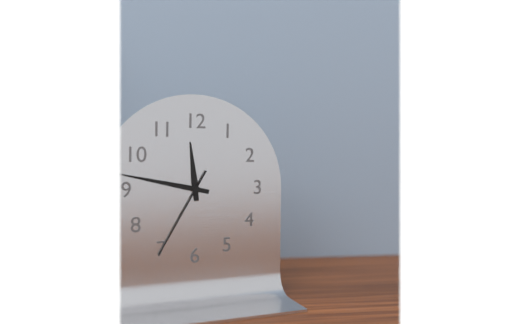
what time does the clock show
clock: 11:47:35
